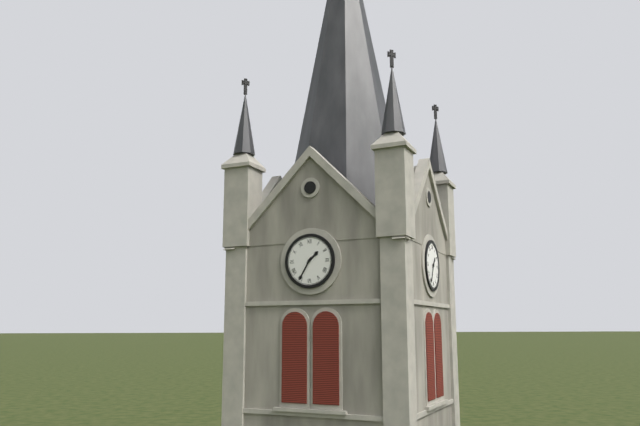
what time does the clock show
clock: 1:35
